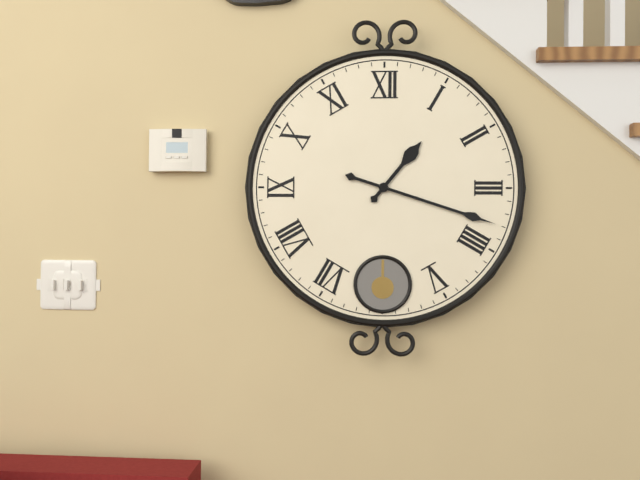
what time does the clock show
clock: 1:18
